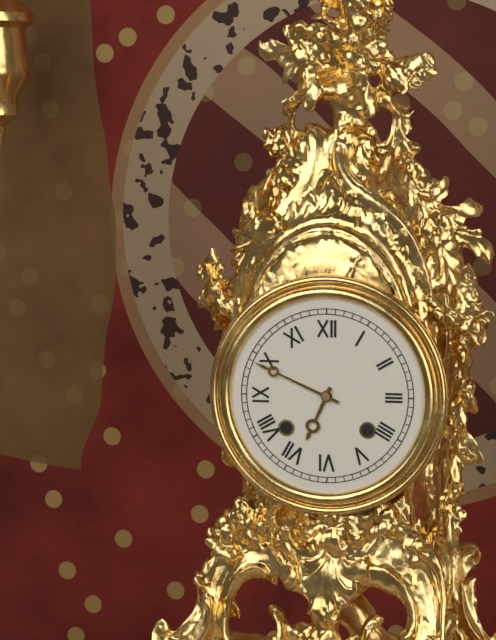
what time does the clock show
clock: 6:49
